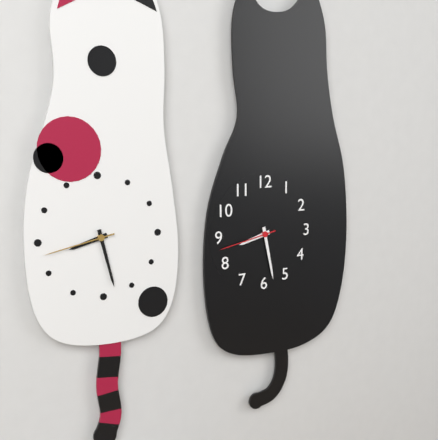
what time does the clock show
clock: 8:28:43
